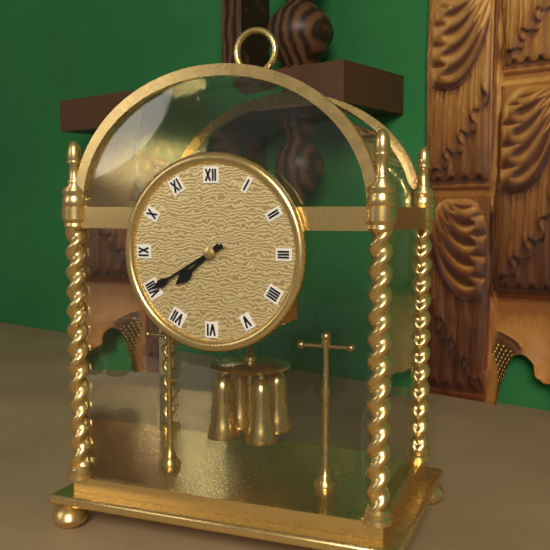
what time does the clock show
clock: 7:40
